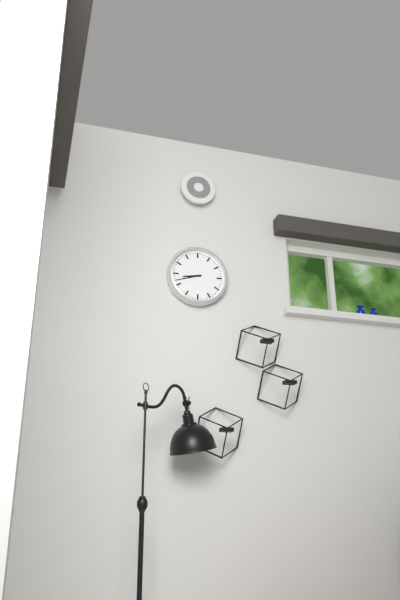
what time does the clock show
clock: 8:42
